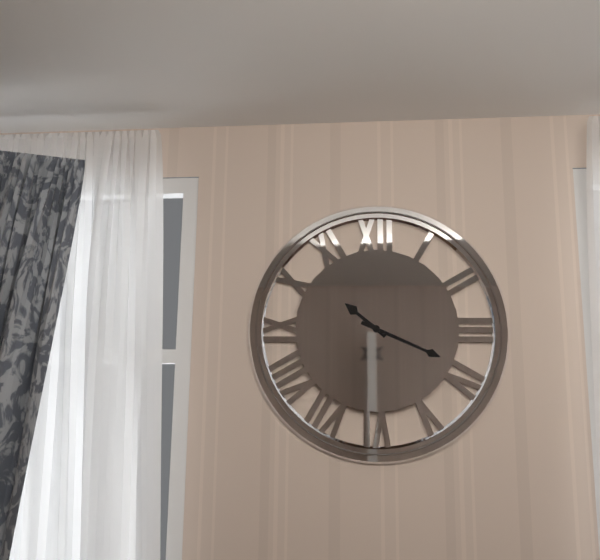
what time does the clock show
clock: 10:19
